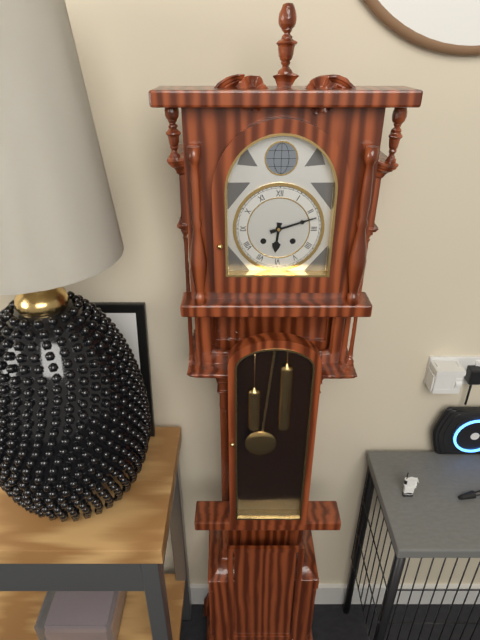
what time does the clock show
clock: 6:12
